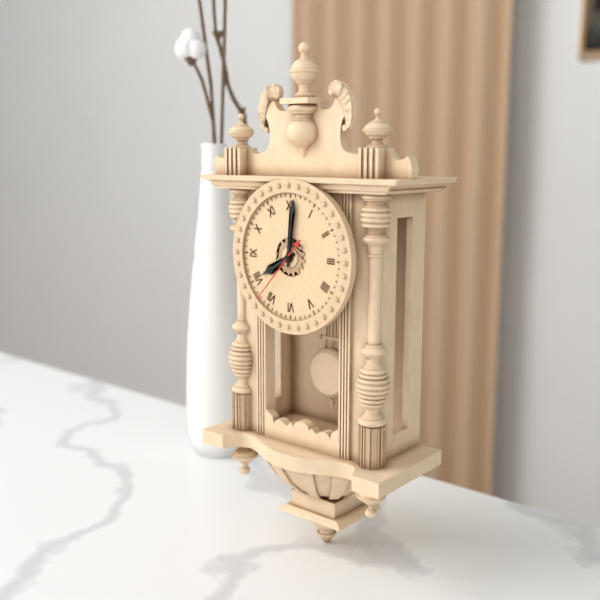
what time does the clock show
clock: 8:01:37
